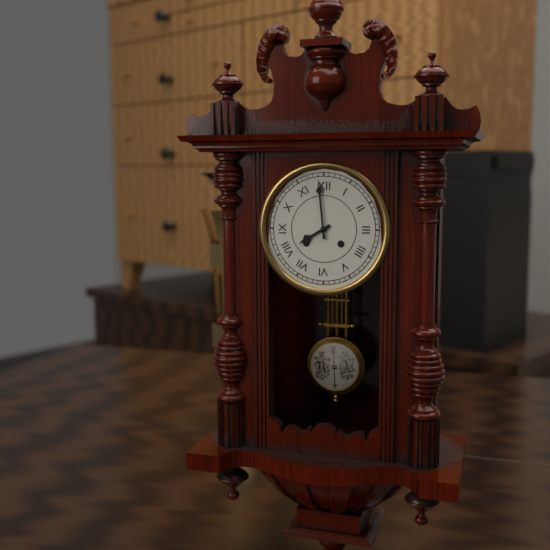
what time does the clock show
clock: 7:59
